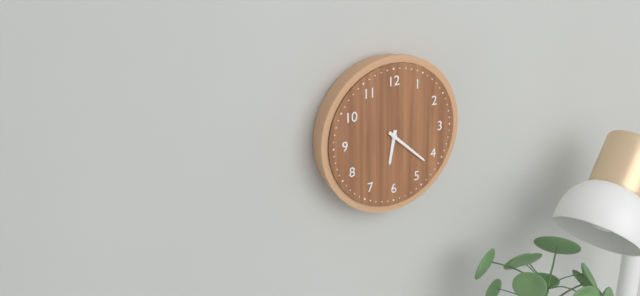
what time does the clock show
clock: 6:22
